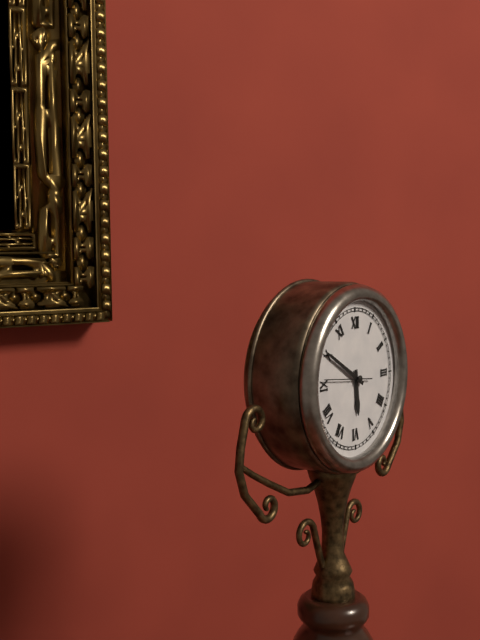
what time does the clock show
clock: 5:50
